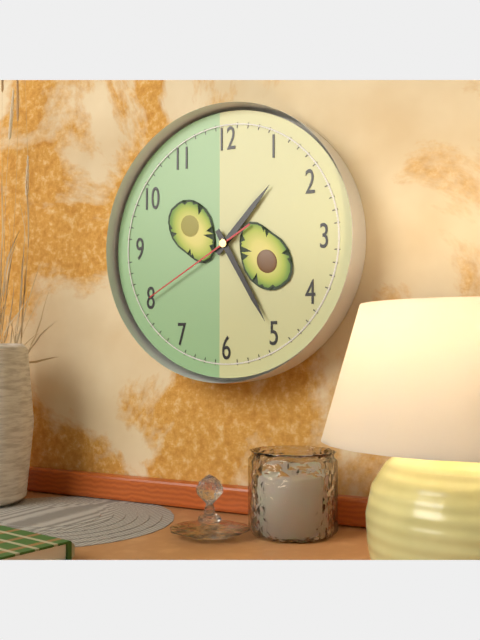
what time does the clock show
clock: 1:25:40
